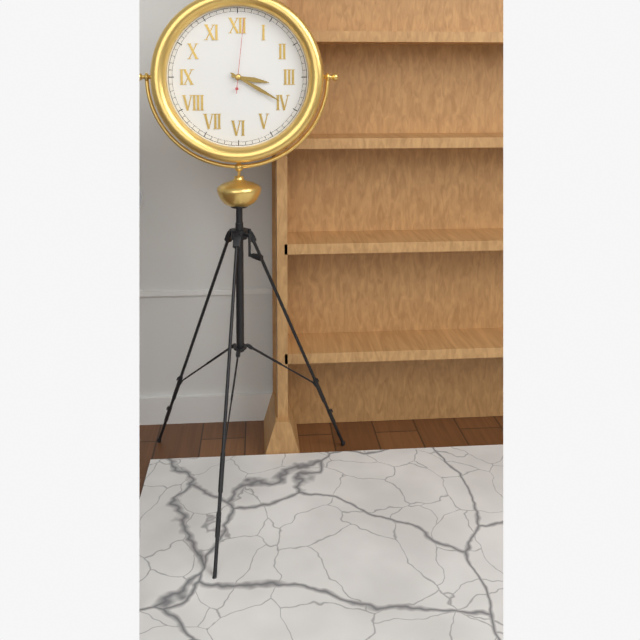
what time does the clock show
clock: 3:20:01
